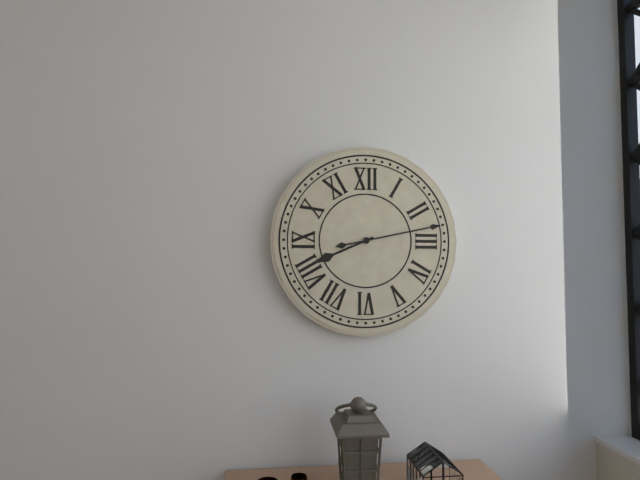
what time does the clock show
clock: 8:13
